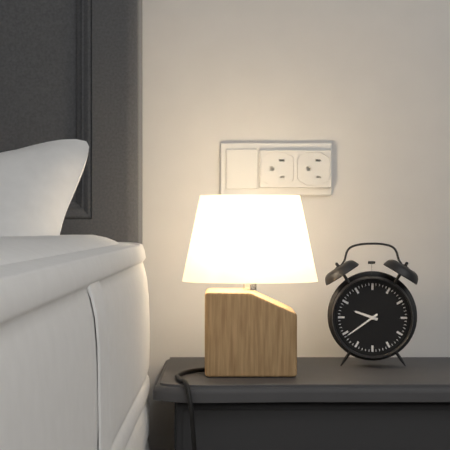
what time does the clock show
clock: 9:39
